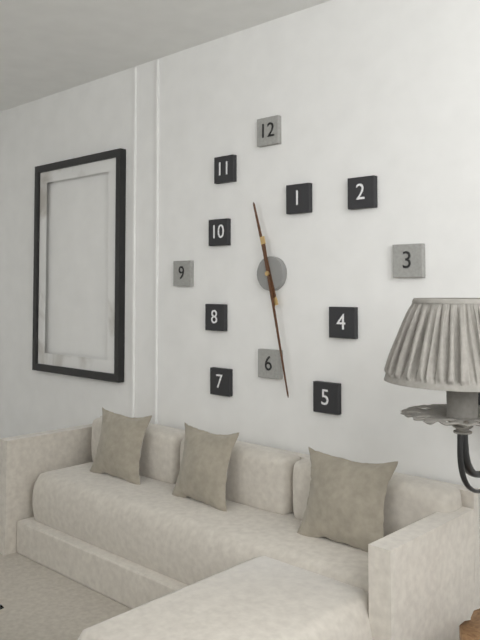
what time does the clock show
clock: 11:28
